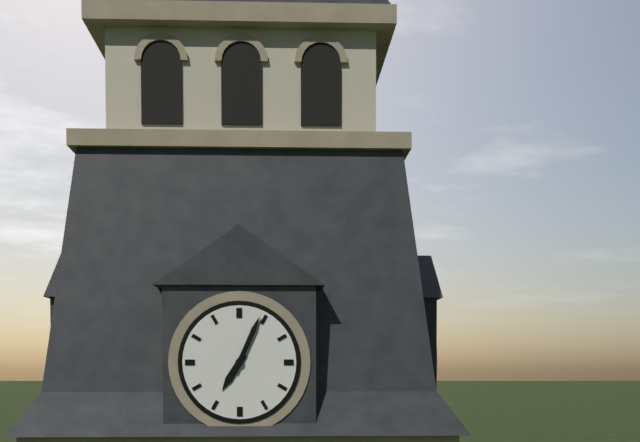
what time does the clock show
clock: 7:04
